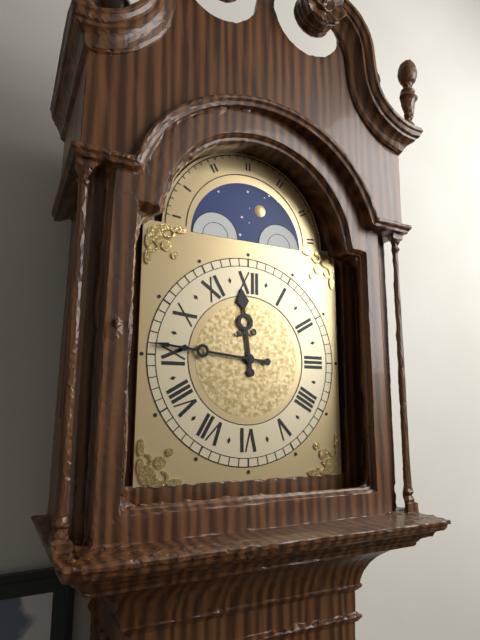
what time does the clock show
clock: 11:46
